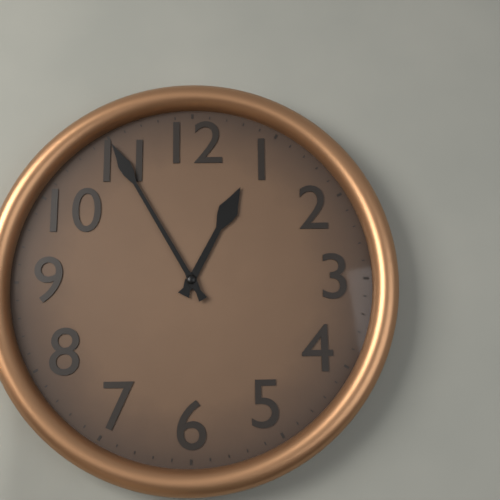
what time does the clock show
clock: 12:55
